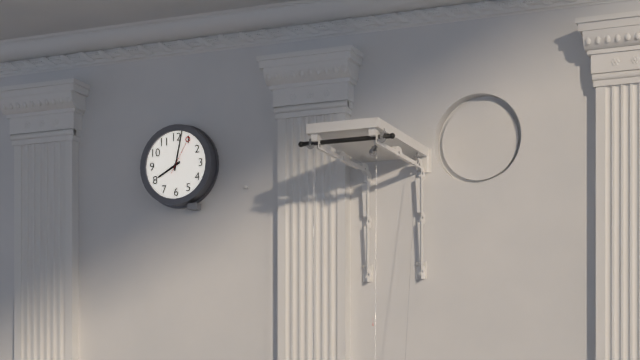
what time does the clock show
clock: 8:02
